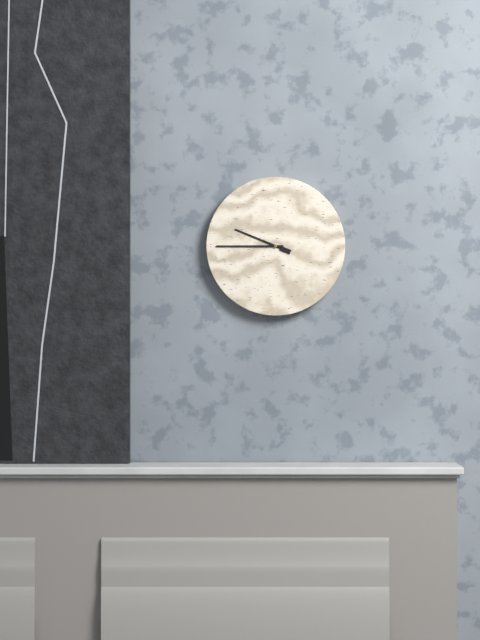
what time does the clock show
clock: 9:45
